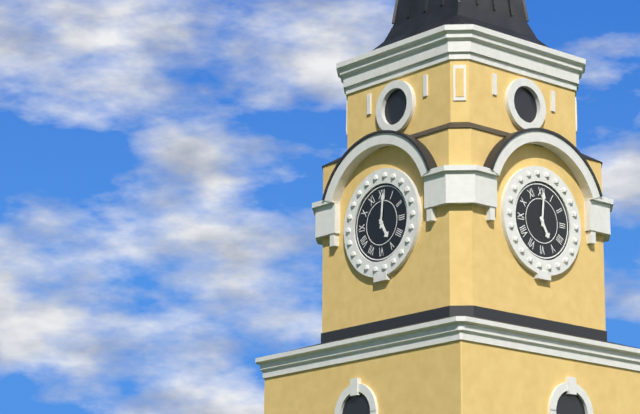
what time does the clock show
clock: 5:01
